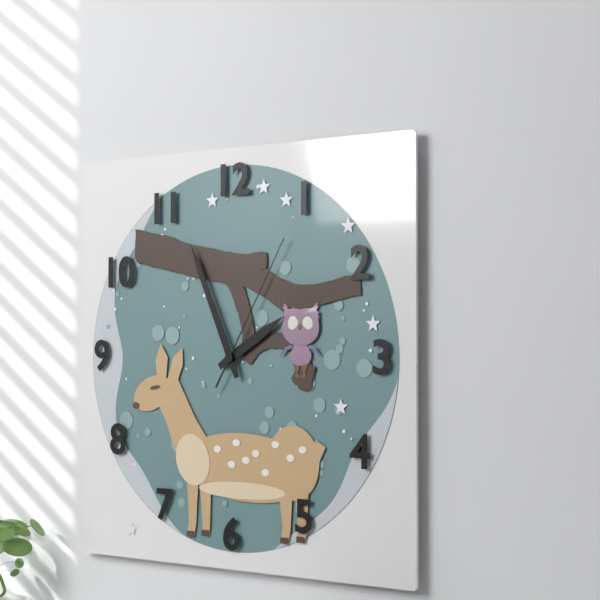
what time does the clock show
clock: 1:56:05
